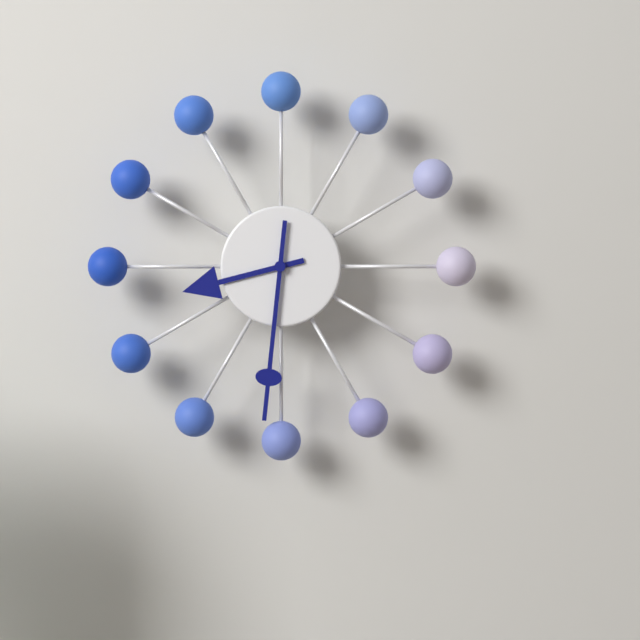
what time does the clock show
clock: 8:31
